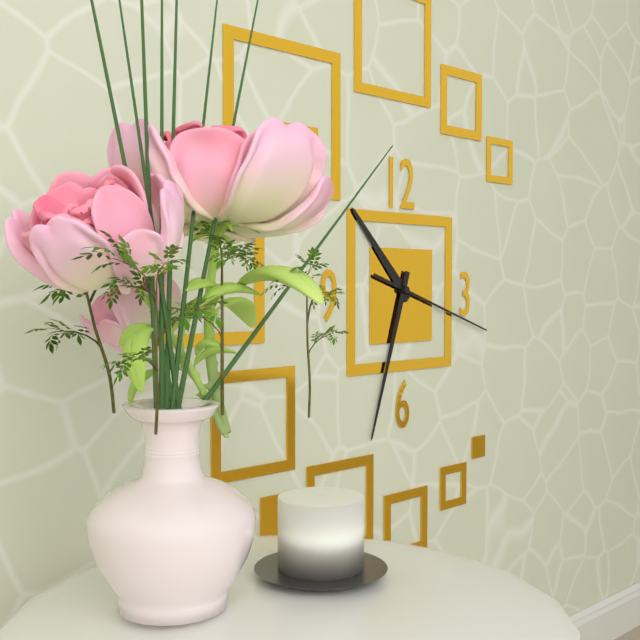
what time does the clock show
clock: 10:33:18
